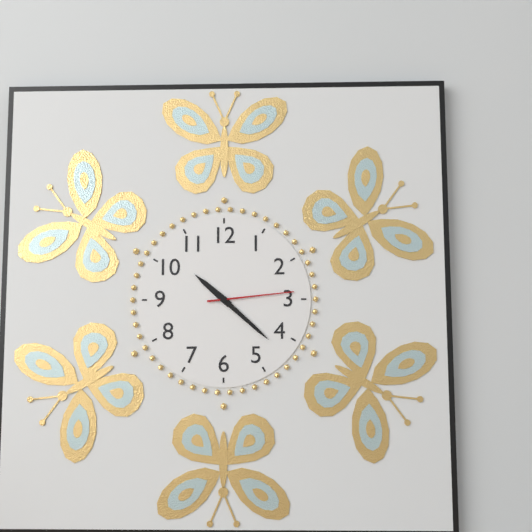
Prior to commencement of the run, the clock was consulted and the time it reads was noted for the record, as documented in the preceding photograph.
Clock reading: 10:22:14
